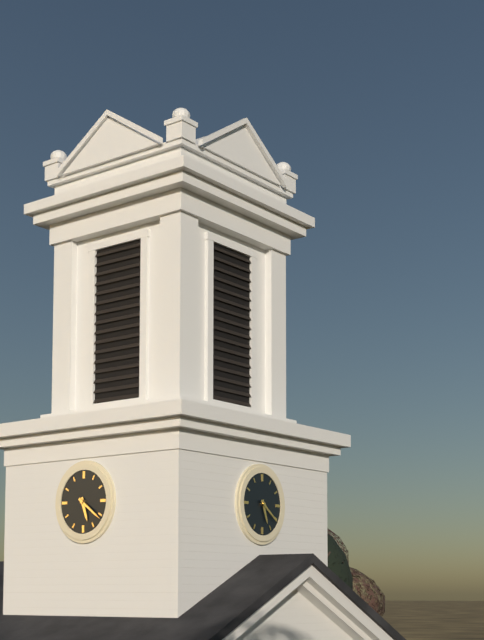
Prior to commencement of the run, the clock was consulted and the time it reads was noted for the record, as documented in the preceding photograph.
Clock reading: 5:21
